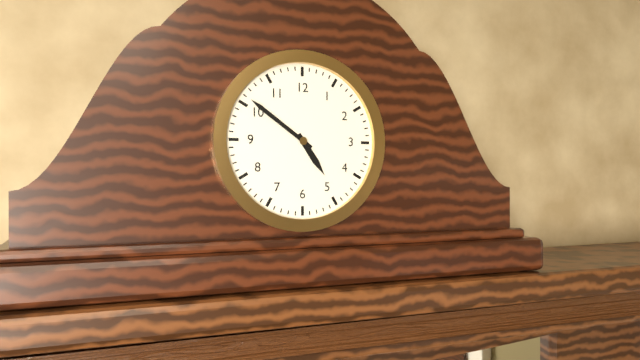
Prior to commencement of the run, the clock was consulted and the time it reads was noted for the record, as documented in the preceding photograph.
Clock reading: 4:51
